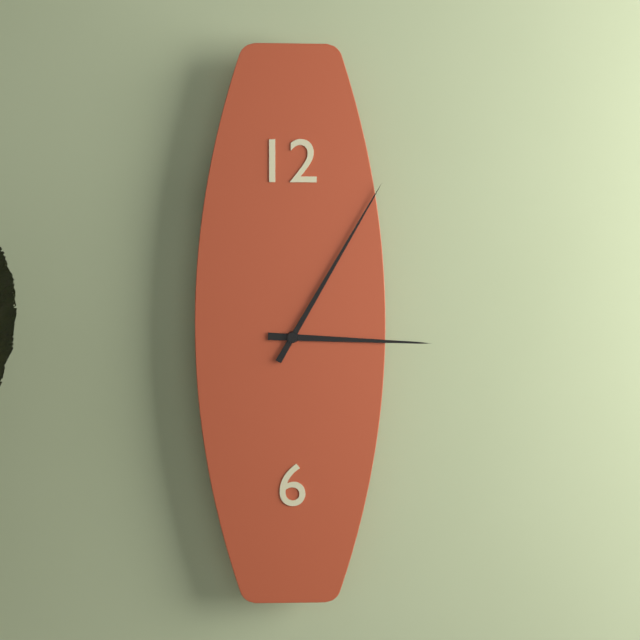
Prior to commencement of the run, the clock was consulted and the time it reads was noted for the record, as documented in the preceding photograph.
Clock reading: 3:05
